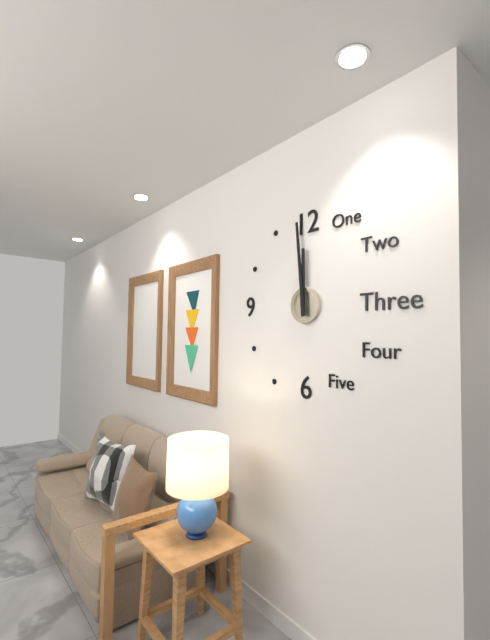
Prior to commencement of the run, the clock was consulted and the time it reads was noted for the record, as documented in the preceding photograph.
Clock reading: 11:59
